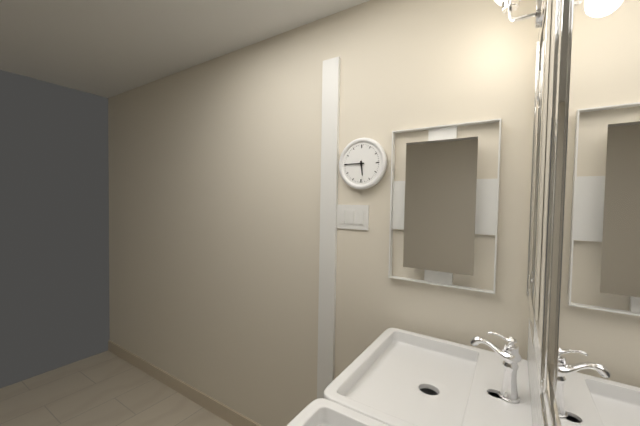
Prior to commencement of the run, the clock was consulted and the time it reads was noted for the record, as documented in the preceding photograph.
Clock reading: 5:45
